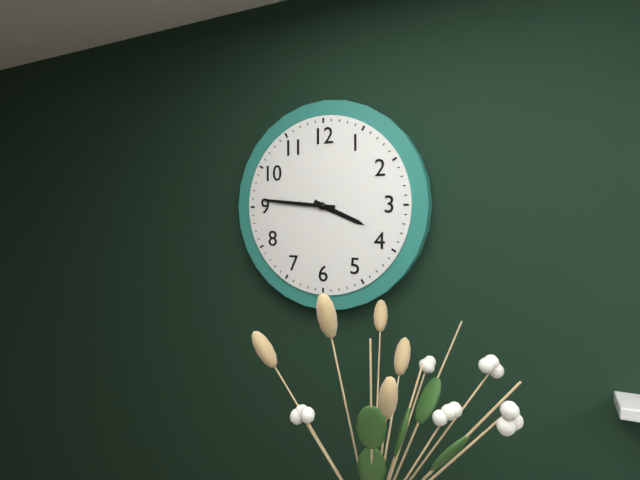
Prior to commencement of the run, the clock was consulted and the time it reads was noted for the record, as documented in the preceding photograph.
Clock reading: 3:46
